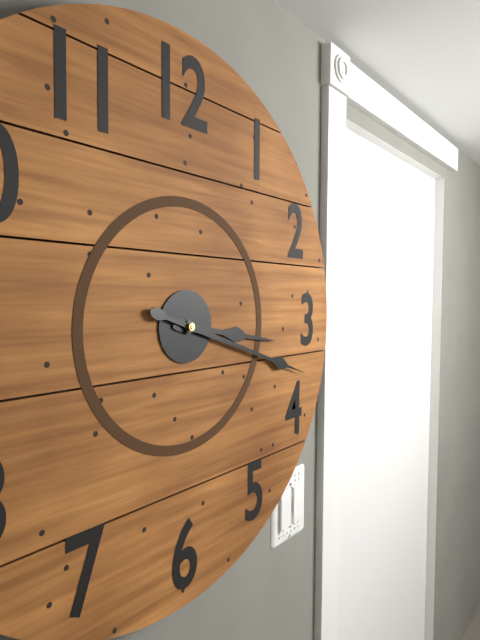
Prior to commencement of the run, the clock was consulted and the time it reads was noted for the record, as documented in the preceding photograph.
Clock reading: 3:18
